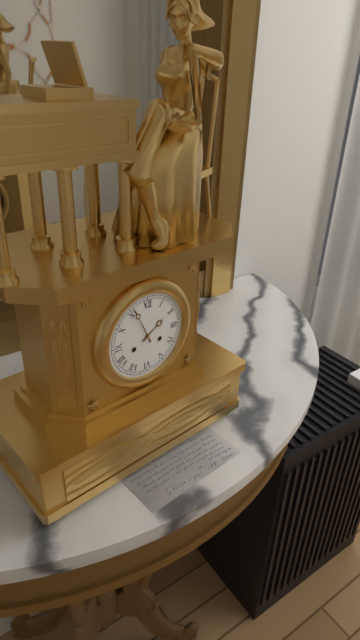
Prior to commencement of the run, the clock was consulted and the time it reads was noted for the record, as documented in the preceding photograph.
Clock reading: 1:56
